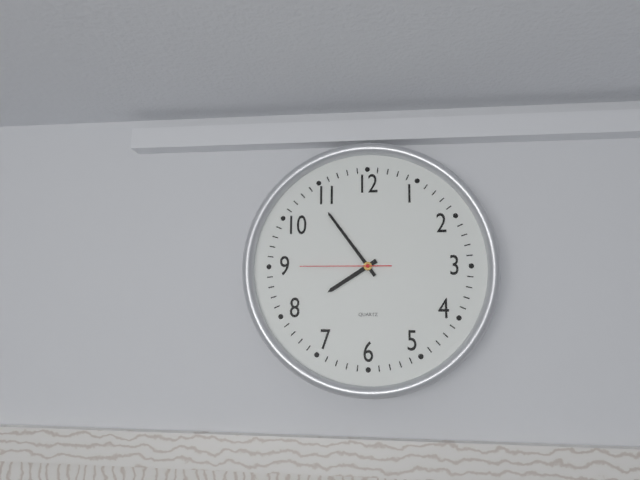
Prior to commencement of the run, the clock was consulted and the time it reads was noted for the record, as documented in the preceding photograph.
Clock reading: 7:54:45
